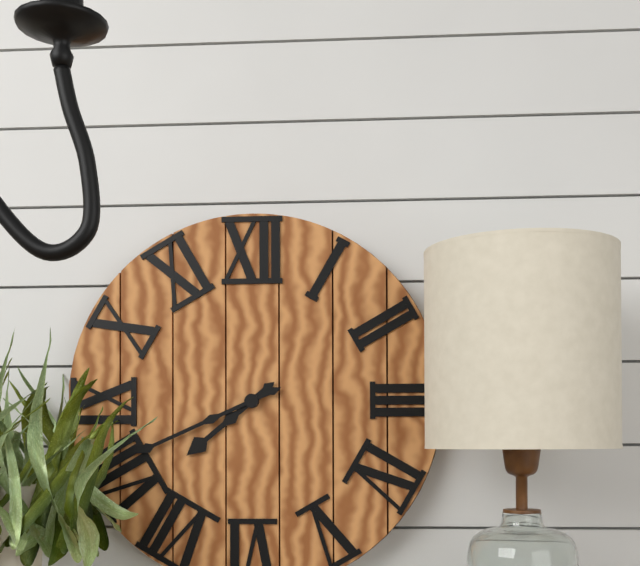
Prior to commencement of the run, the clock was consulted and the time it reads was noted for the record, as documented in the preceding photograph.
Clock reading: 7:41
